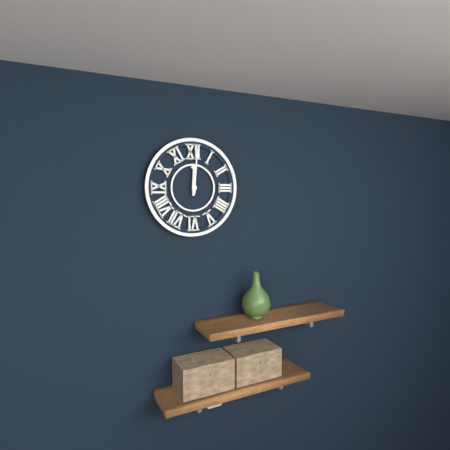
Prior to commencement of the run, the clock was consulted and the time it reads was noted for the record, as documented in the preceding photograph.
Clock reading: 12:01
